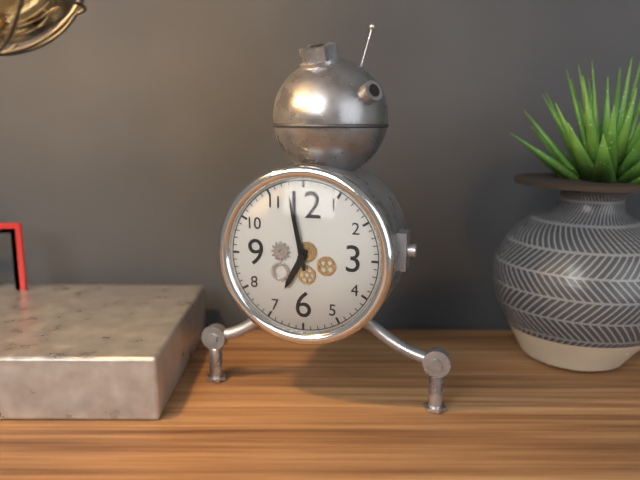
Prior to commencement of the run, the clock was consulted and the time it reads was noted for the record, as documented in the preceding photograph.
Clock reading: 6:58
